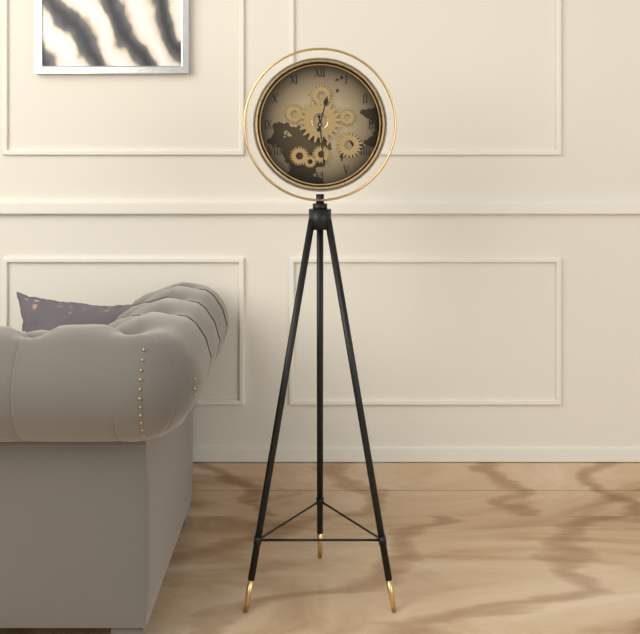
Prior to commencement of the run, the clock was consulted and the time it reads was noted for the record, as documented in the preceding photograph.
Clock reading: 12:29
